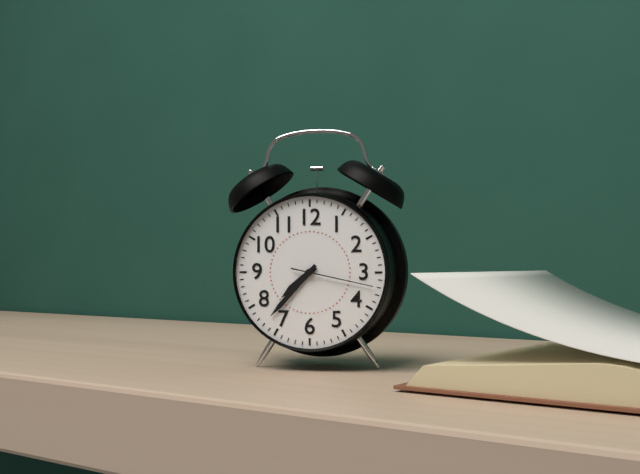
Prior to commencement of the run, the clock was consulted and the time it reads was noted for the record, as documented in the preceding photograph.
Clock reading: 7:37:17
